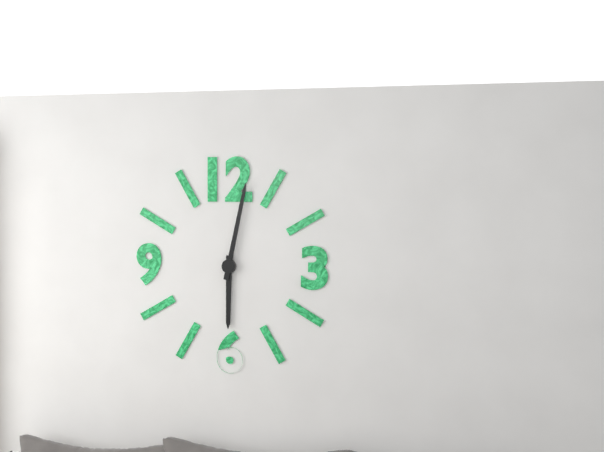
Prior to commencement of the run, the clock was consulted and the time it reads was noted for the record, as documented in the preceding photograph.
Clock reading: 6:02
